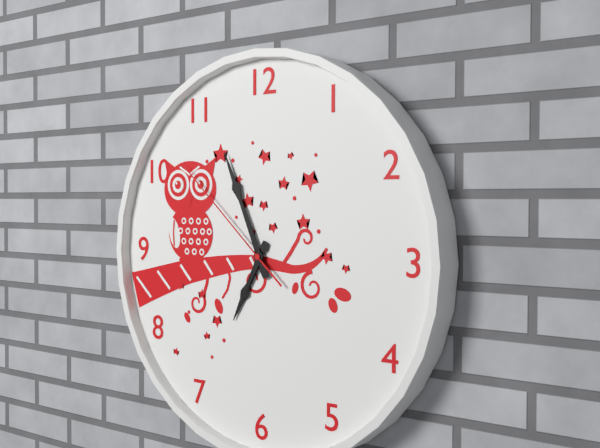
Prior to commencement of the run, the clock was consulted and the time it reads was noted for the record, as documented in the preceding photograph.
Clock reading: 6:56:52
